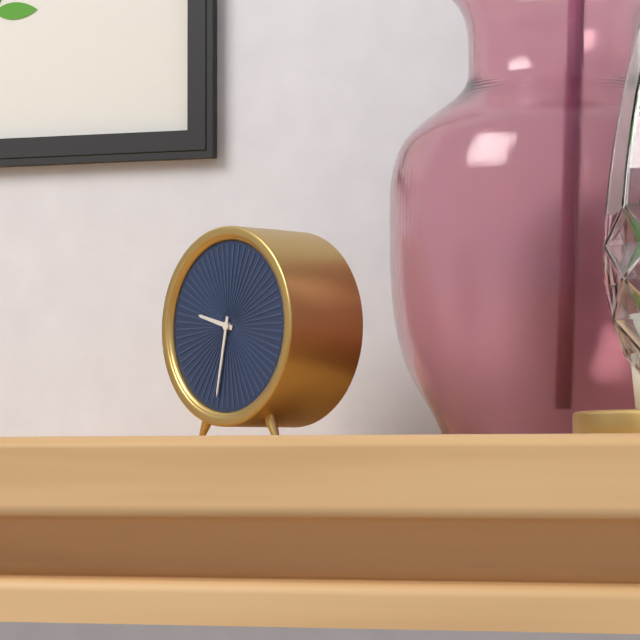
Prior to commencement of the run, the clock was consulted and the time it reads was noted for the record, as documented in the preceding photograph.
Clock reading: 9:32
